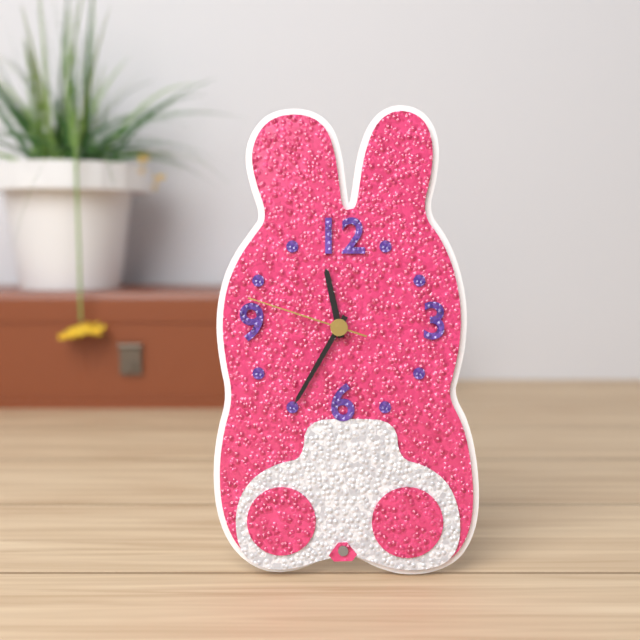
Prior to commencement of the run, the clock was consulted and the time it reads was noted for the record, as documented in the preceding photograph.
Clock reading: 11:35:48
